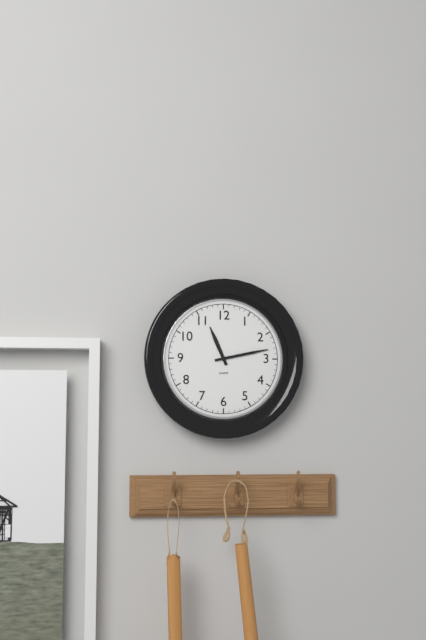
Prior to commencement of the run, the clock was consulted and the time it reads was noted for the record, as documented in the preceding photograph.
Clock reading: 11:13
